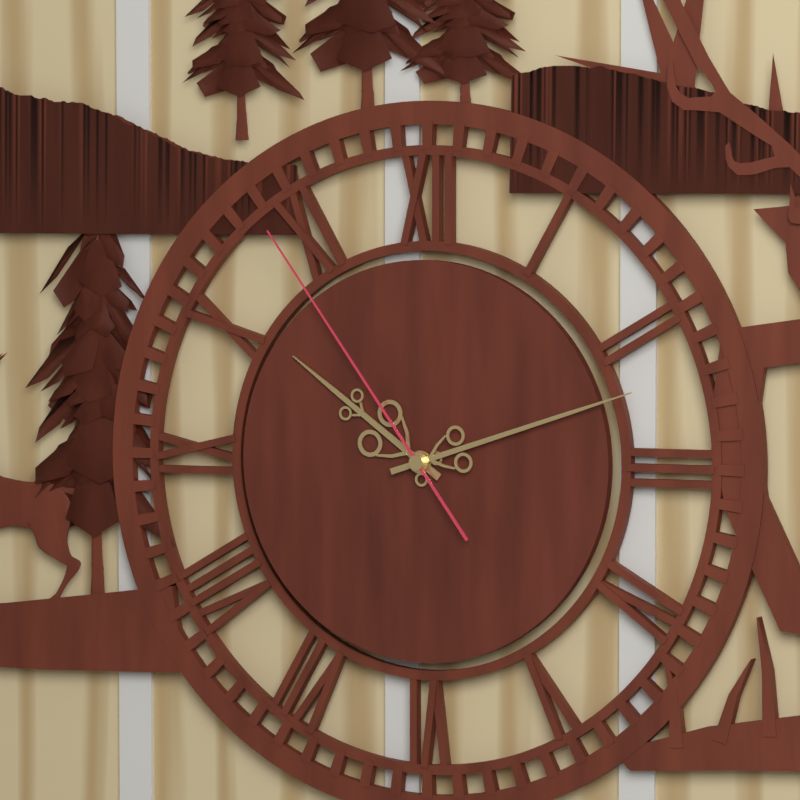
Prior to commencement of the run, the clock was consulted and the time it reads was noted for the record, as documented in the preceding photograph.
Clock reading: 10:12:54
